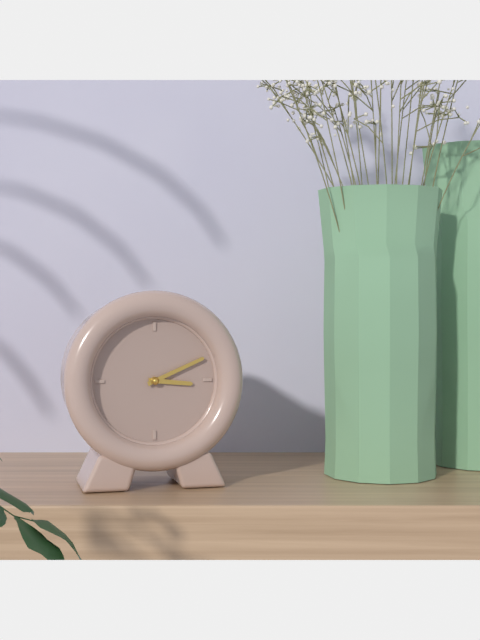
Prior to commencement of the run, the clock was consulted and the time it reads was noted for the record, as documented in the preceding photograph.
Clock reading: 3:11
